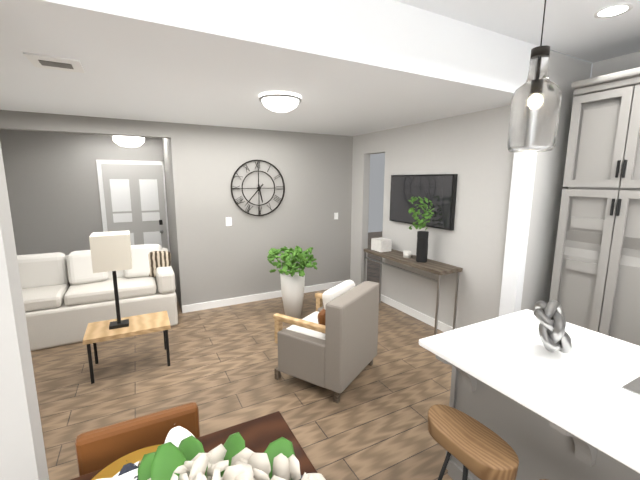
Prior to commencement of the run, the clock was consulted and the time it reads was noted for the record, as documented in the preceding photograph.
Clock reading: 5:37
